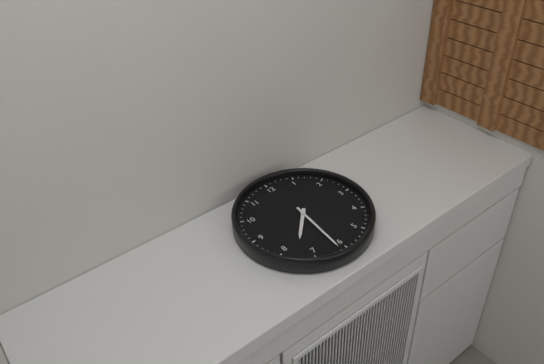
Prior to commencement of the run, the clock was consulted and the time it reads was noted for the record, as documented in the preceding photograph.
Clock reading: 7:31
